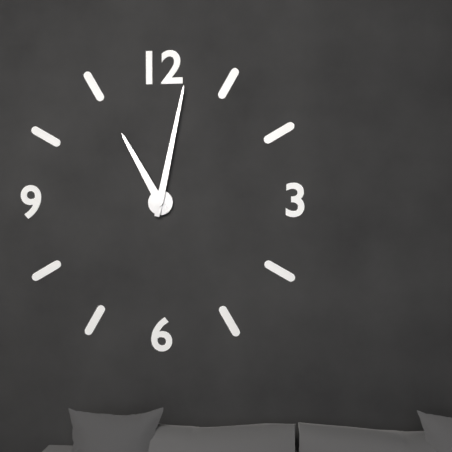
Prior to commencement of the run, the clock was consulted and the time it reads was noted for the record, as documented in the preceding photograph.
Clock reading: 11:02
